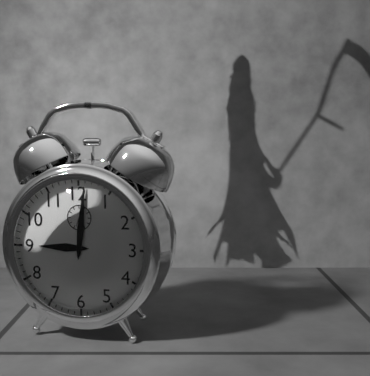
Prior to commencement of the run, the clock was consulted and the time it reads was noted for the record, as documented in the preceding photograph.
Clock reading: 9:01
